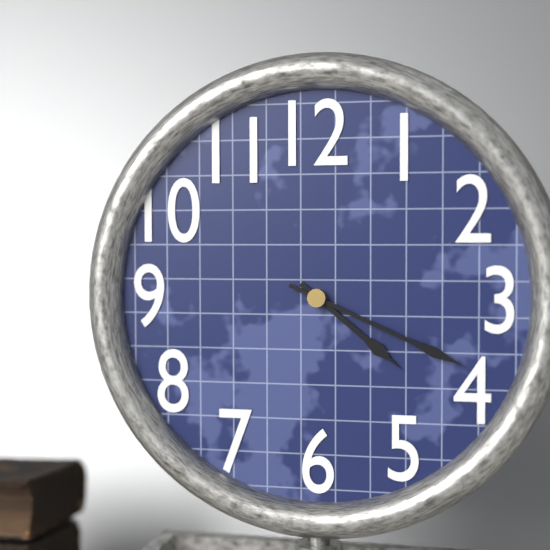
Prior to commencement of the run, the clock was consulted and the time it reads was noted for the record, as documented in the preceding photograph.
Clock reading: 4:19
